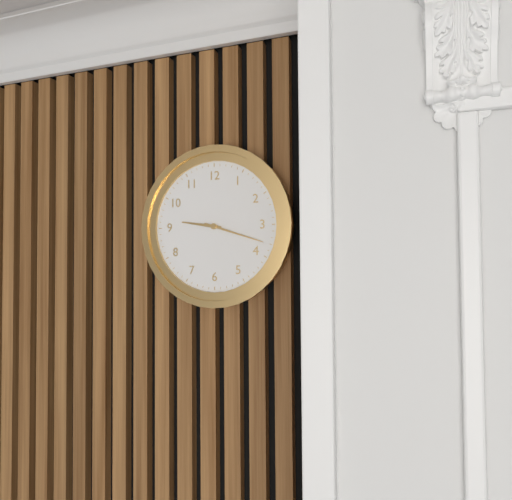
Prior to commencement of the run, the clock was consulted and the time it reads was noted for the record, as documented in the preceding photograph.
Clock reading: 9:18
